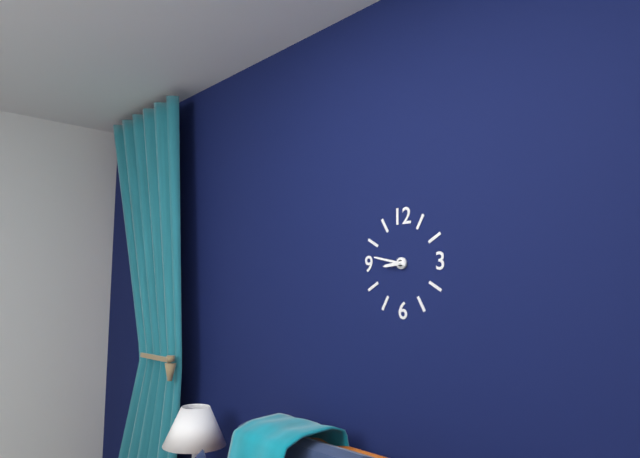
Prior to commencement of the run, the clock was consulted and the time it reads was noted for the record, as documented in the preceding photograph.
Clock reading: 8:47
